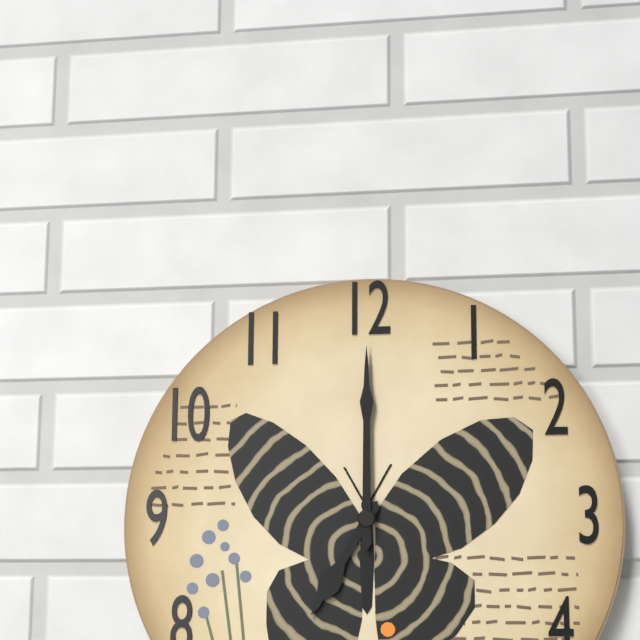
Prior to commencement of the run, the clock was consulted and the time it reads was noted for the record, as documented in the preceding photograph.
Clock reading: 7:00
